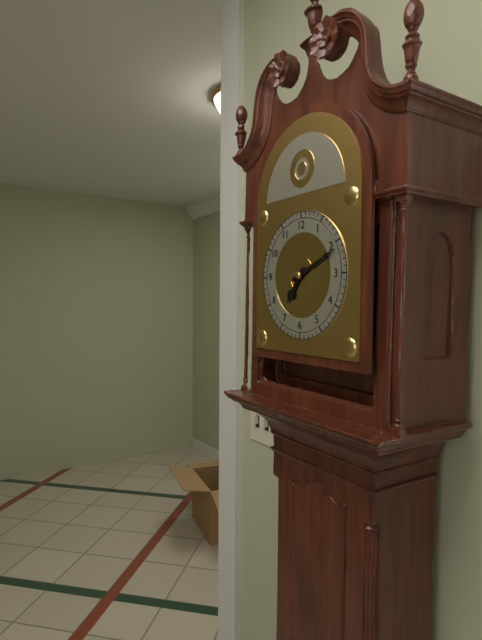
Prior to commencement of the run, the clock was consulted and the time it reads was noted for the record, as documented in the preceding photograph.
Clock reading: 7:11
